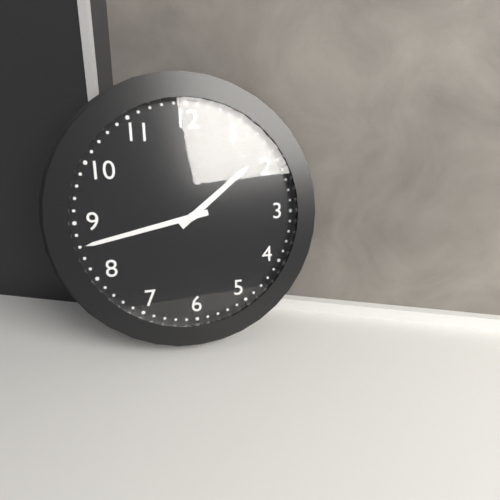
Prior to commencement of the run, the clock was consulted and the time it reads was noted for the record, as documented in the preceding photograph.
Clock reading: 1:43
